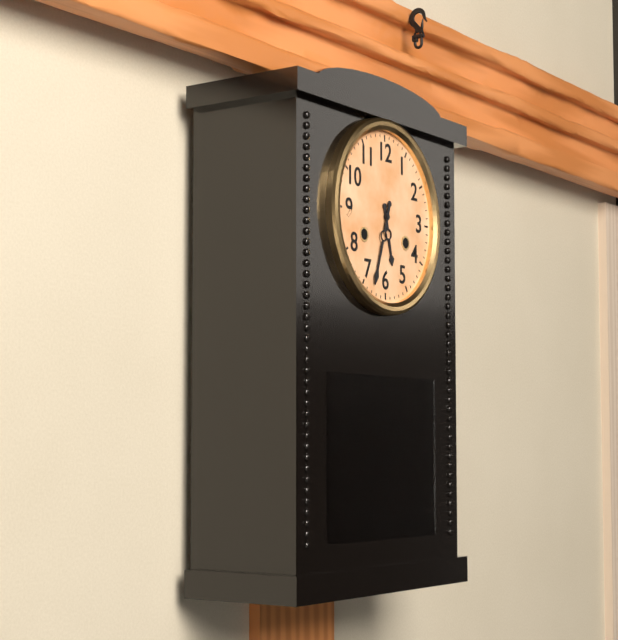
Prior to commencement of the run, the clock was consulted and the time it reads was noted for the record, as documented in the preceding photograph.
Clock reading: 5:33
